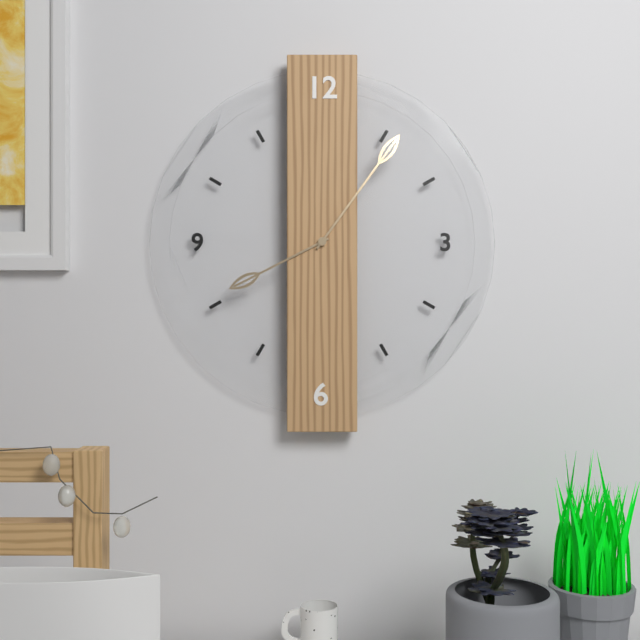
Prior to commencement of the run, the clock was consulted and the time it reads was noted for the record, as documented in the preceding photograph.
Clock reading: 8:06
